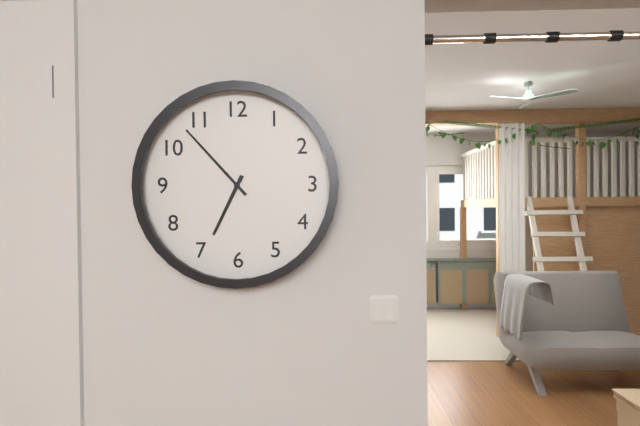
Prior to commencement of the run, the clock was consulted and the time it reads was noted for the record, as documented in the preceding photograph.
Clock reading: 6:53
